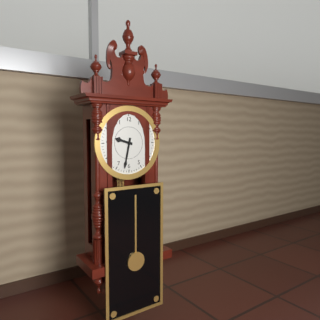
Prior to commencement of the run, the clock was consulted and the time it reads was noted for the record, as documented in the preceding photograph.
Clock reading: 9:32
